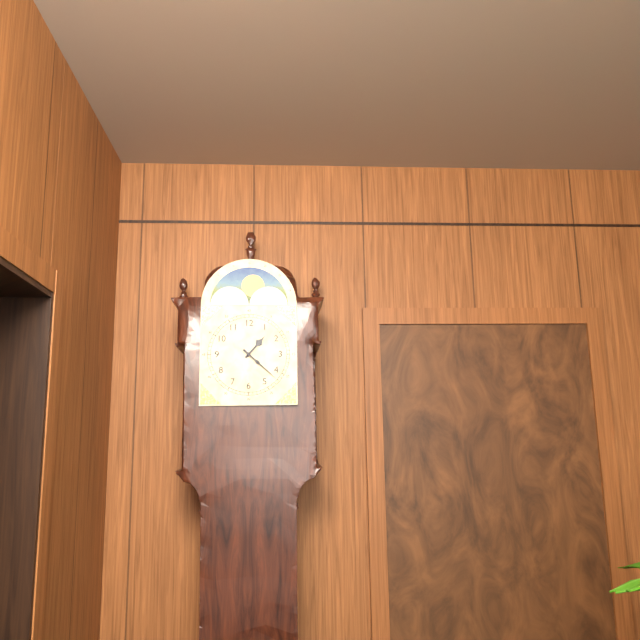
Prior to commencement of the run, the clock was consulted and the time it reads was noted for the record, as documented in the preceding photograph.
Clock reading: 1:22
